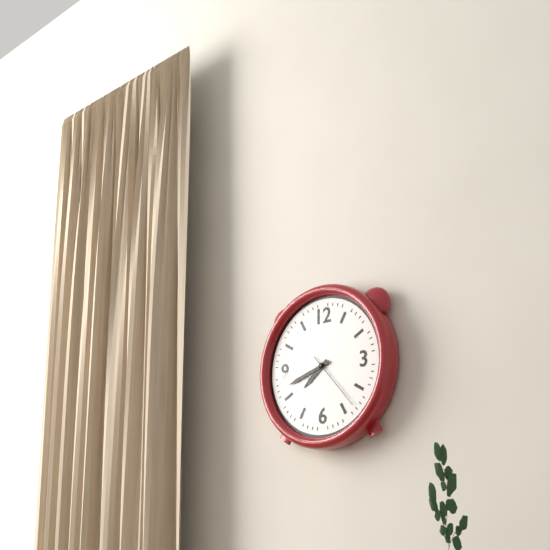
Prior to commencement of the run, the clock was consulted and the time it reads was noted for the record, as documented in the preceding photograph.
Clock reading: 7:42:23
